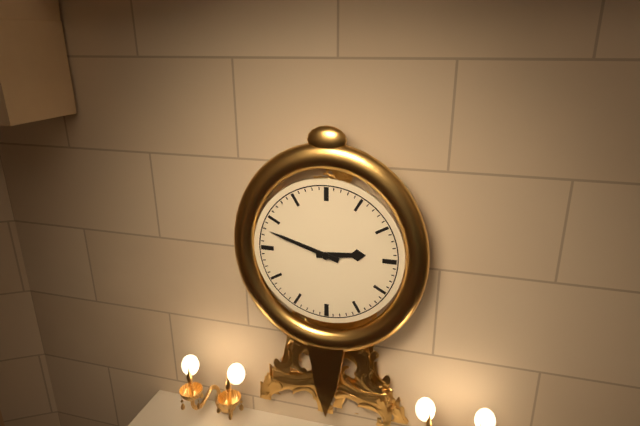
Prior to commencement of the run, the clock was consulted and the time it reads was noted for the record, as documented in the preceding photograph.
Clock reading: 2:48
